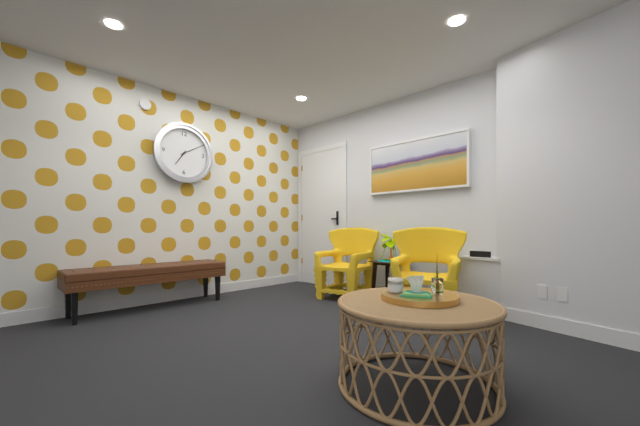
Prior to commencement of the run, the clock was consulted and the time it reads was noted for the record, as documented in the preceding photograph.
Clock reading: 7:10
